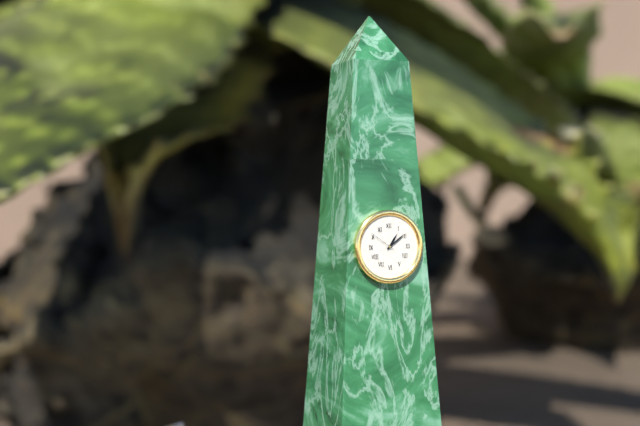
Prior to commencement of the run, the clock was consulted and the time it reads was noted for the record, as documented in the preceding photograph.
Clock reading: 1:09
